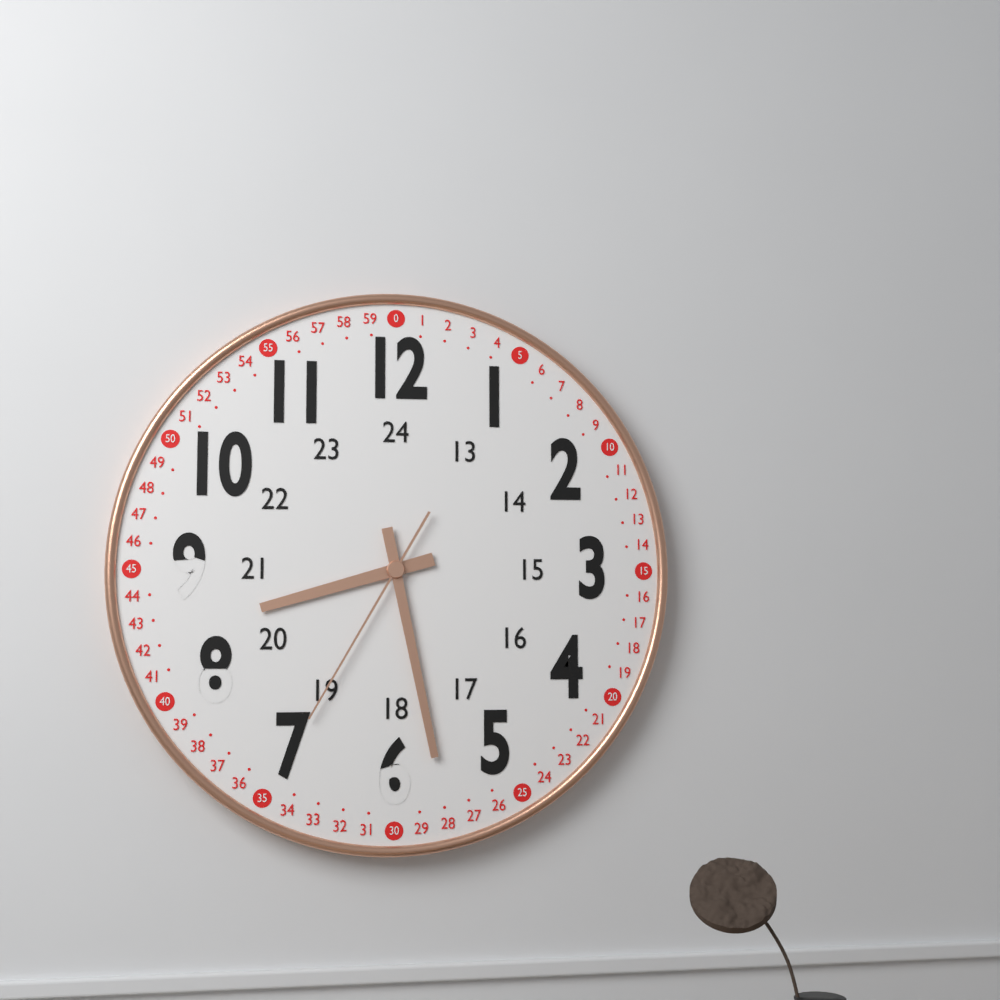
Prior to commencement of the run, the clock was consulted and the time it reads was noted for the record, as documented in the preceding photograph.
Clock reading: 8:28:35
